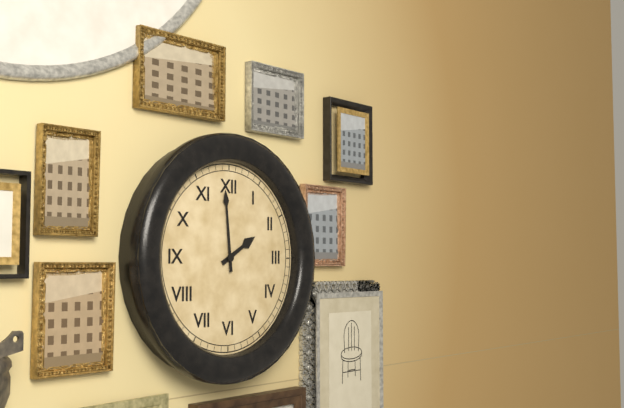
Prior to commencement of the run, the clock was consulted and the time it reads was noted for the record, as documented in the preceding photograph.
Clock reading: 1:59
